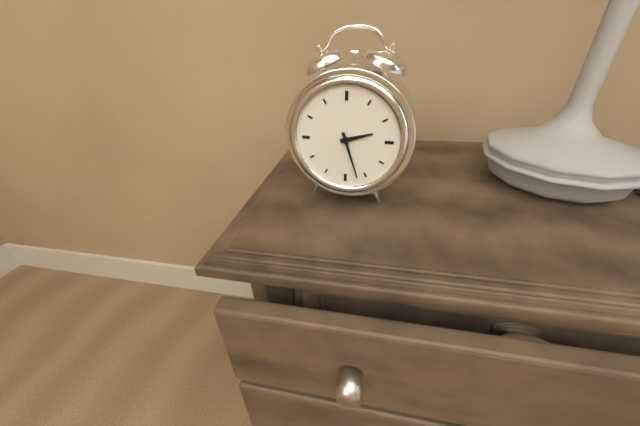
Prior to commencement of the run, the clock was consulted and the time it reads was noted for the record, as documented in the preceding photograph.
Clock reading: 2:27
